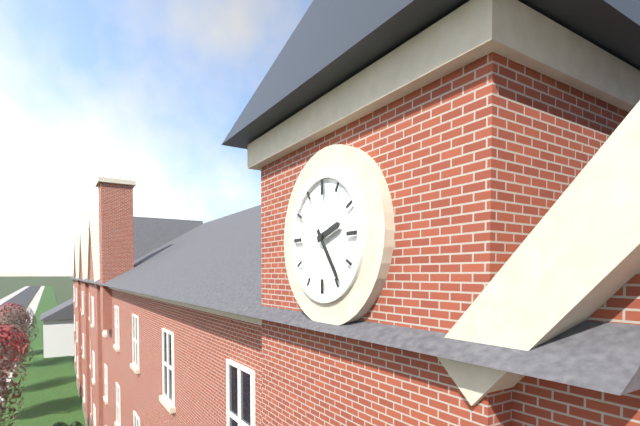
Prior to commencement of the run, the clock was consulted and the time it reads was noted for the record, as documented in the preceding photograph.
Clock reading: 2:24
